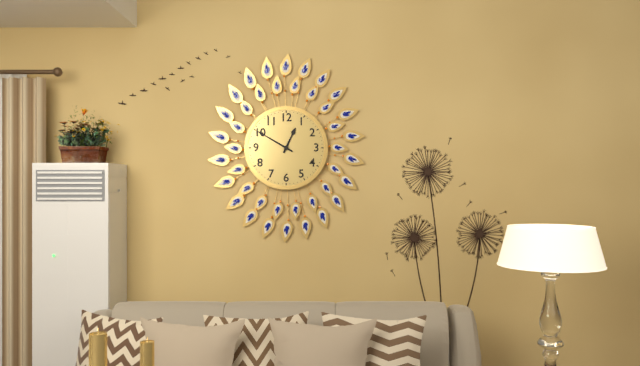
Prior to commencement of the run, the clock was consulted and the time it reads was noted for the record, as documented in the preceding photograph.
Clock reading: 12:50
